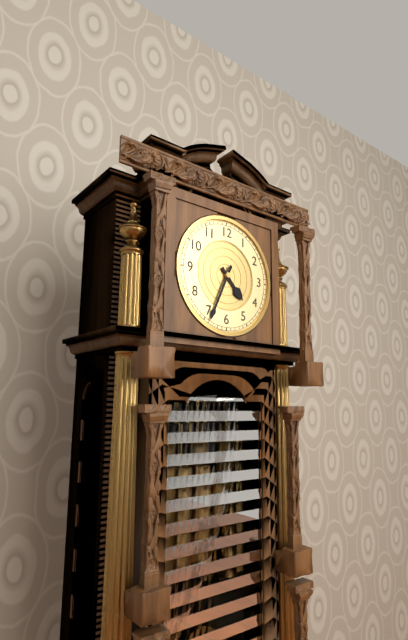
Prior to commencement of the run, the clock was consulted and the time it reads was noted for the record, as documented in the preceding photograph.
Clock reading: 4:34
